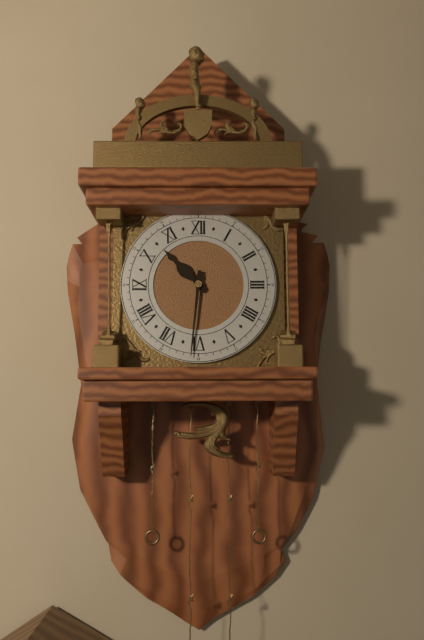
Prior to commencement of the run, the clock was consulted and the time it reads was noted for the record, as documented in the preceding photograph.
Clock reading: 10:31
